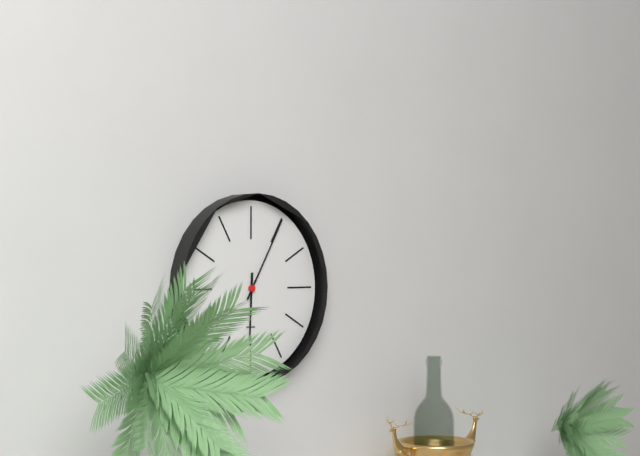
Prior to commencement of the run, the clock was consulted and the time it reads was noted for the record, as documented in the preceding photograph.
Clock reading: 6:05
